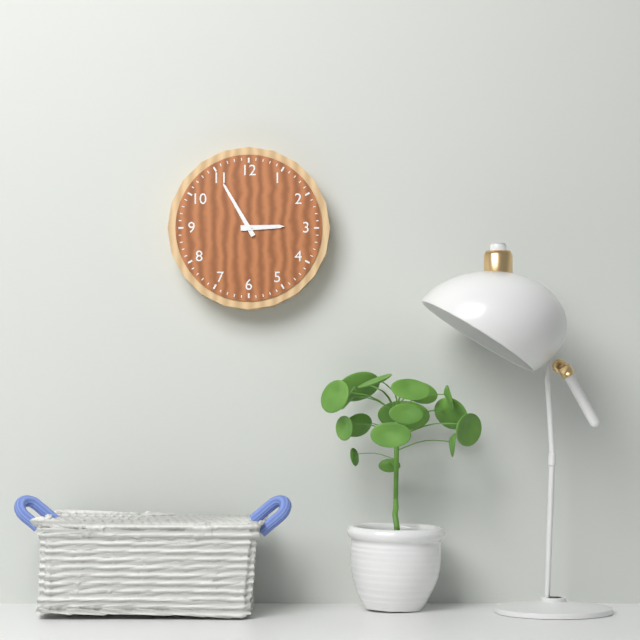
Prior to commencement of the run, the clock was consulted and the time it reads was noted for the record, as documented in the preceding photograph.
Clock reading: 2:55
